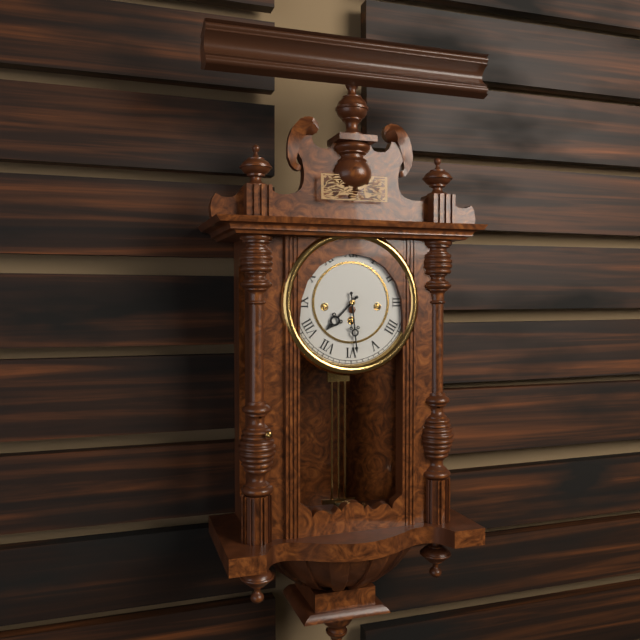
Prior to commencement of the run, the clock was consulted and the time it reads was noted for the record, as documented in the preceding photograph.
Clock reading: 7:29
